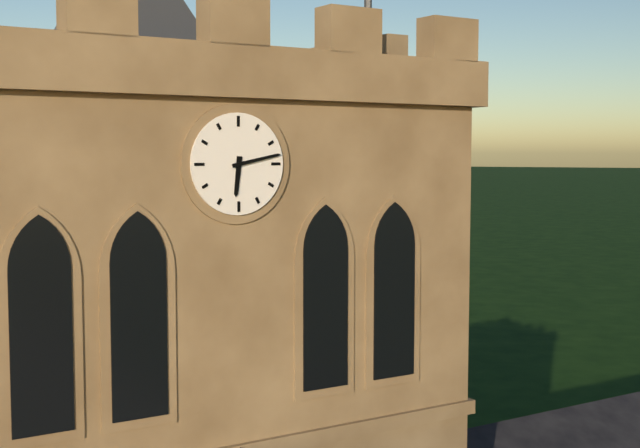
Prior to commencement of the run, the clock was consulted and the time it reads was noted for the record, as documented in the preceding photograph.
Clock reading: 6:13
